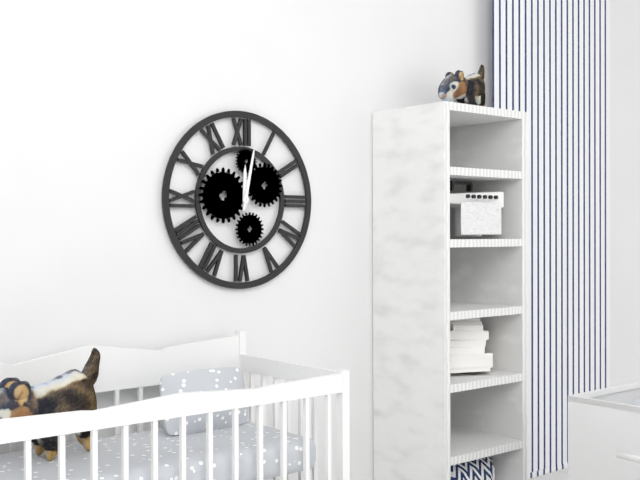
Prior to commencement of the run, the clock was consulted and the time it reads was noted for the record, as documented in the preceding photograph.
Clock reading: 12:02
